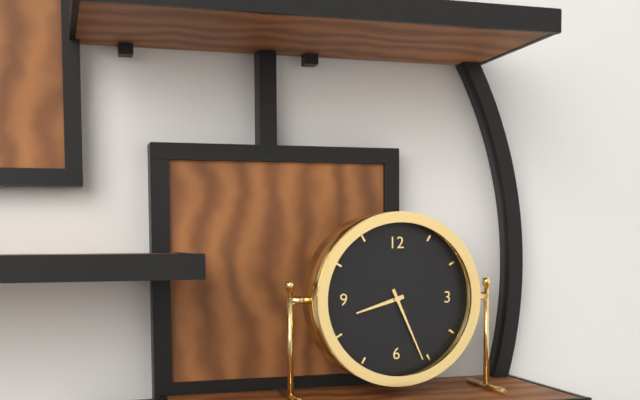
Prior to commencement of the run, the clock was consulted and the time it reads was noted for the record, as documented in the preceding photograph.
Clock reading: 8:26
